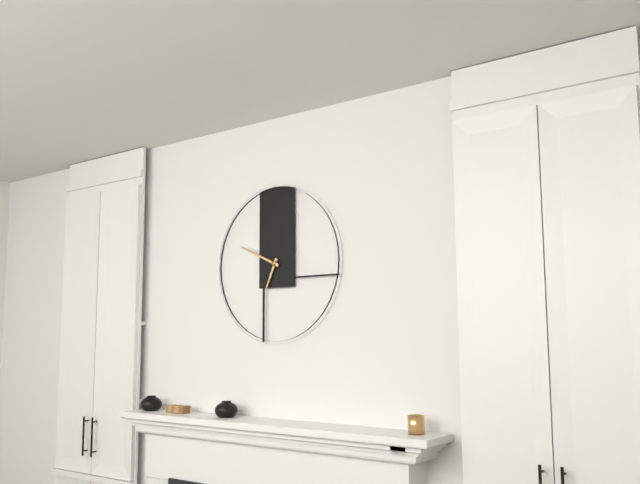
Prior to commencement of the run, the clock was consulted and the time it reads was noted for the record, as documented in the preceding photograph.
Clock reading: 6:49
